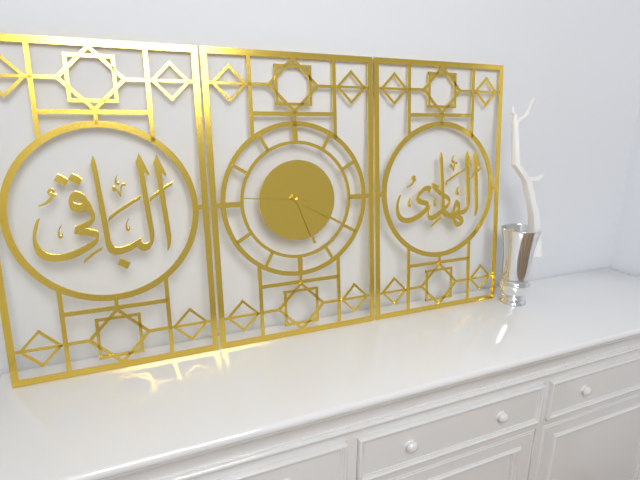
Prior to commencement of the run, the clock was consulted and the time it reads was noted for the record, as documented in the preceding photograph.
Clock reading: 5:20:46
